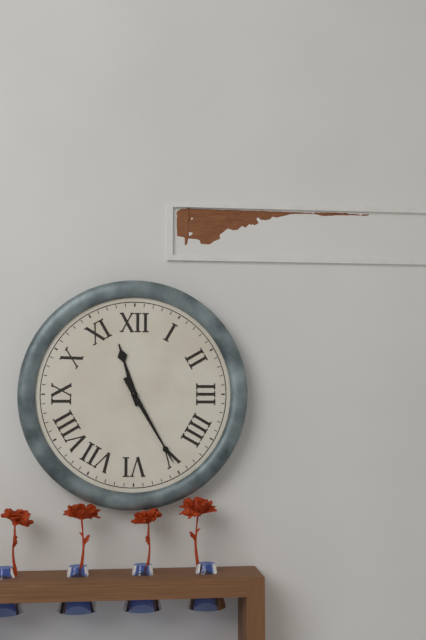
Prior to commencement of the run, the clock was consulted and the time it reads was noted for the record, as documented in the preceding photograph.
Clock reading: 11:25
